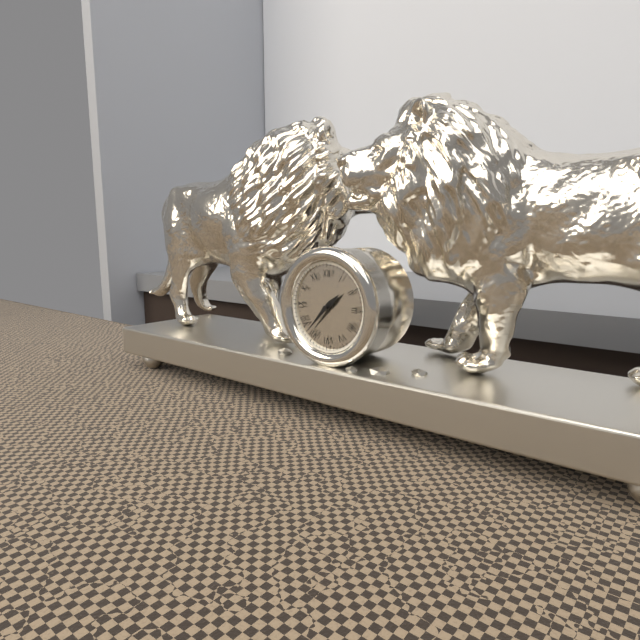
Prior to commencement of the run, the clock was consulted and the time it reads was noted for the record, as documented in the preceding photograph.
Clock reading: 1:37
